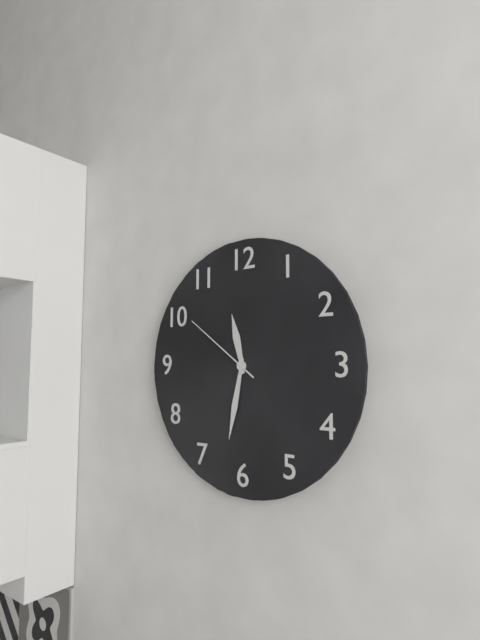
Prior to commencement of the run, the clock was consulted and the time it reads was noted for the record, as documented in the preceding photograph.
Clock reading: 11:32:51
